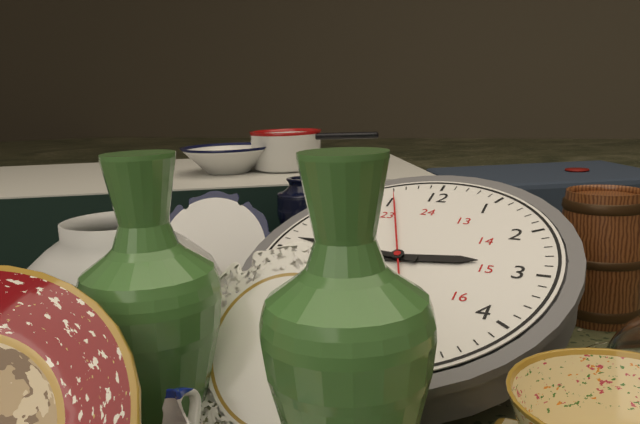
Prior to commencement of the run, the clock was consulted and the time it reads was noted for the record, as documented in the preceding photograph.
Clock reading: 2:46:56
